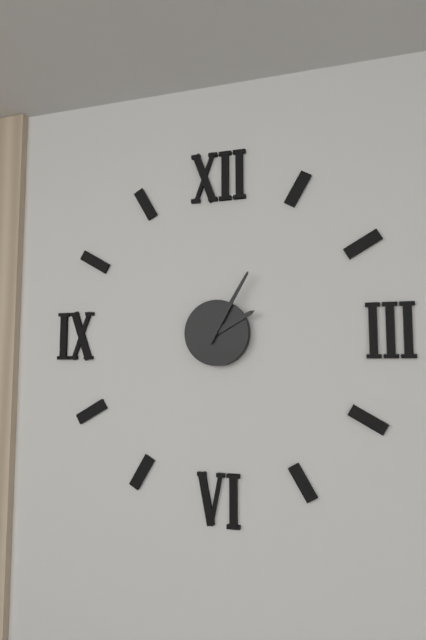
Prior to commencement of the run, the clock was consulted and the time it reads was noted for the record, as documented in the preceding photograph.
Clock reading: 2:05
